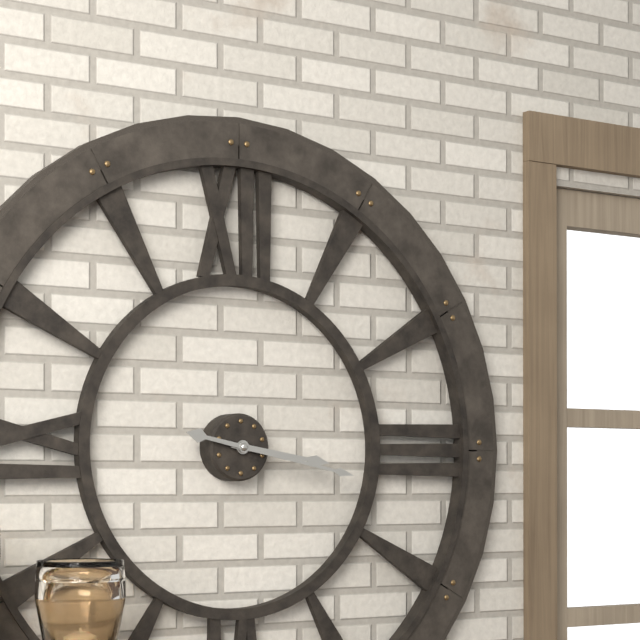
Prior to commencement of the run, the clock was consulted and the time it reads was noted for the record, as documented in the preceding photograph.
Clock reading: 3:17
